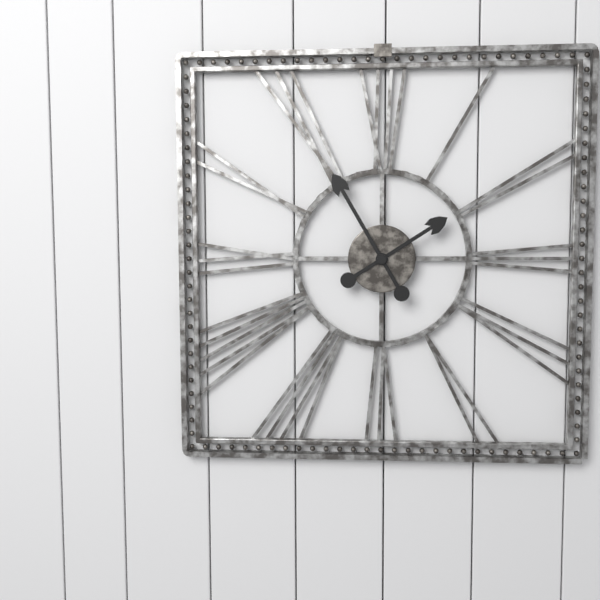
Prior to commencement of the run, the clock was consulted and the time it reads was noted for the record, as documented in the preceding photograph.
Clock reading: 1:55
